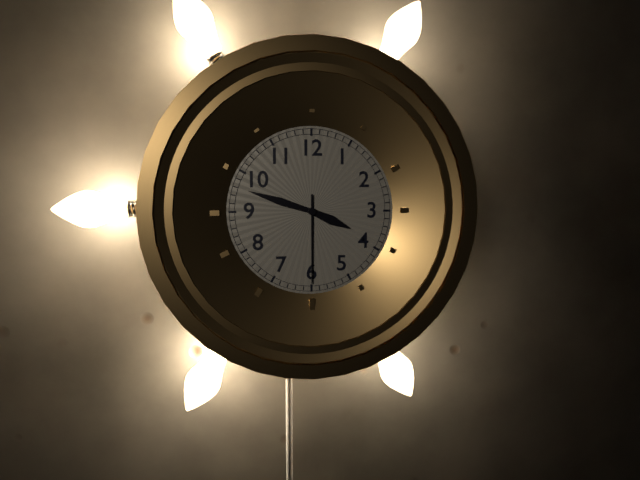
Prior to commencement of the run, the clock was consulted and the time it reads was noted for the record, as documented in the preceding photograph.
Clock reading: 3:48:30
